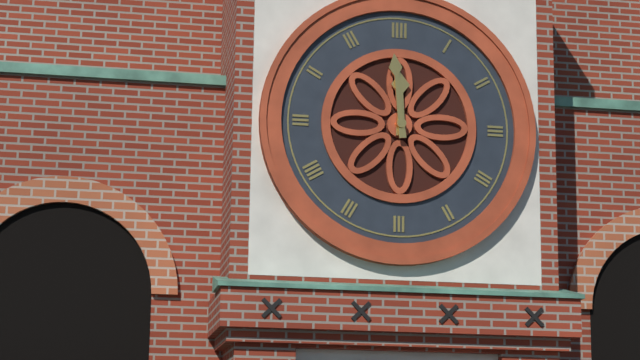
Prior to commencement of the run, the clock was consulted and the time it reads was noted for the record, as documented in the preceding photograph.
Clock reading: 11:59
